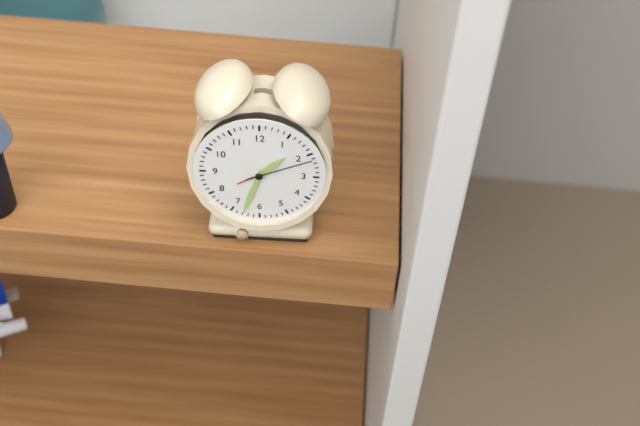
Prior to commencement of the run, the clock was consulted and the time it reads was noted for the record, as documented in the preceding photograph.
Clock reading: 1:33:11
